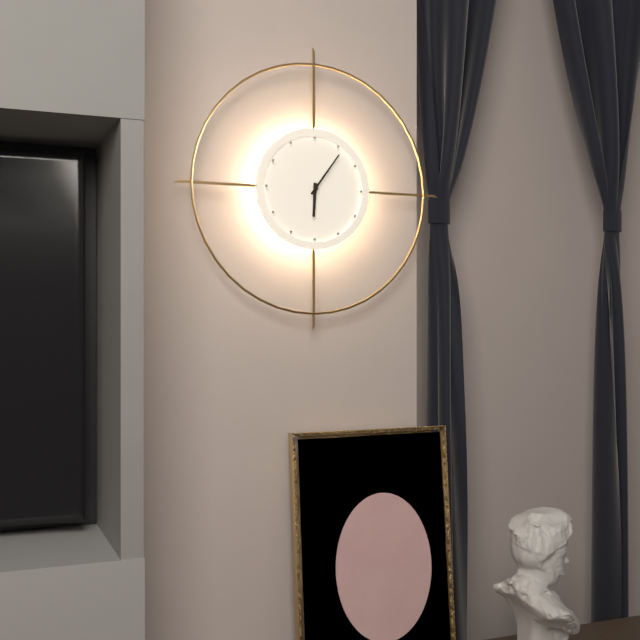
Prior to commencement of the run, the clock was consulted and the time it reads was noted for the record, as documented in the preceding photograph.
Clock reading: 6:06
